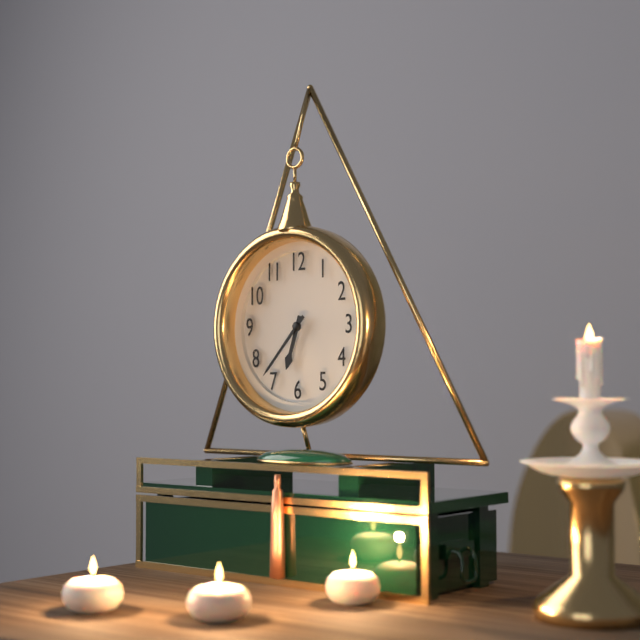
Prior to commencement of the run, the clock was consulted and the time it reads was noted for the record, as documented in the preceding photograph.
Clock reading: 6:37
